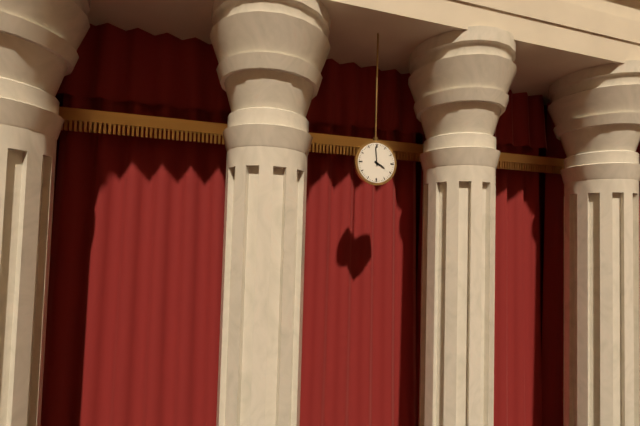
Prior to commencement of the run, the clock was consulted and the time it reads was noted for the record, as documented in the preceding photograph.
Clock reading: 3:59
